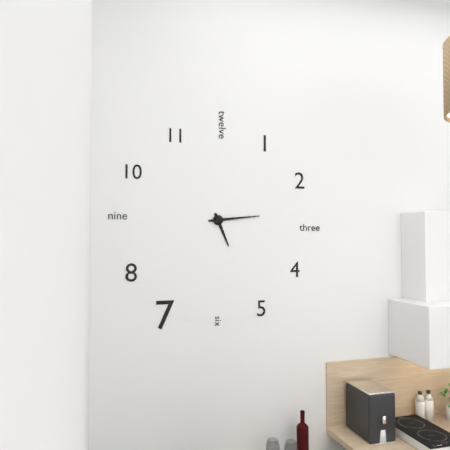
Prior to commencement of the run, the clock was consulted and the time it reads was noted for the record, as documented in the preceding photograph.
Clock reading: 5:14
